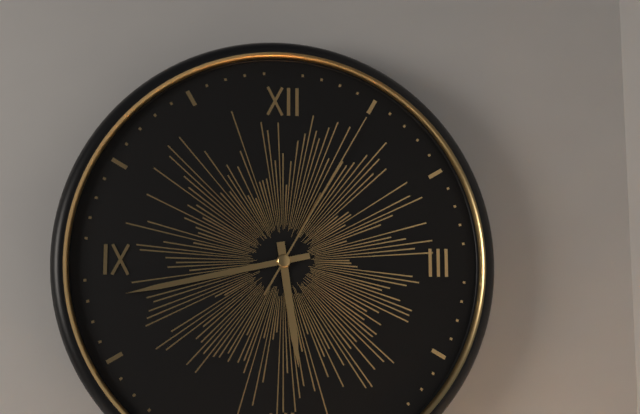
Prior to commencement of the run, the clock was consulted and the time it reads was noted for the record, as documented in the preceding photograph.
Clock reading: 5:43:05
